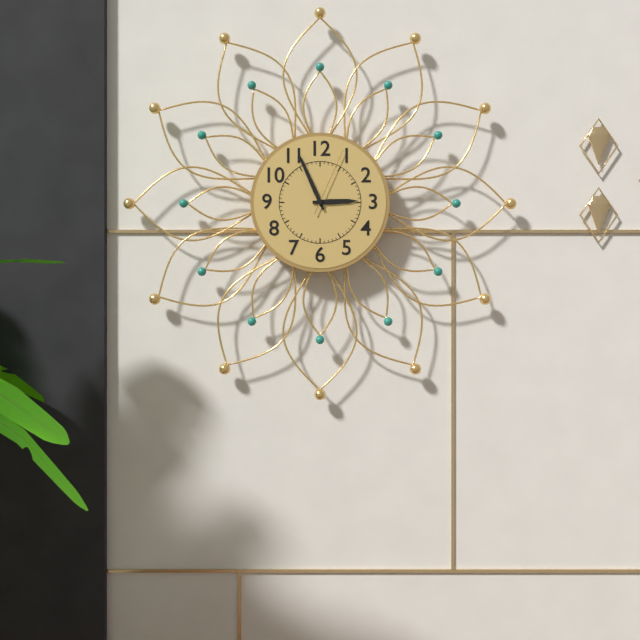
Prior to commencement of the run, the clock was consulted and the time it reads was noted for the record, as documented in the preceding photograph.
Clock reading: 2:56:04
